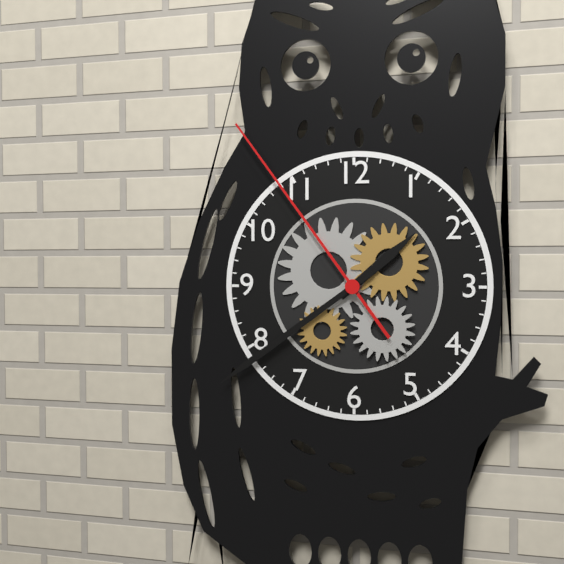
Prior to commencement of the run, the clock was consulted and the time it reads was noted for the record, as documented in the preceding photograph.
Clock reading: 1:39:54
